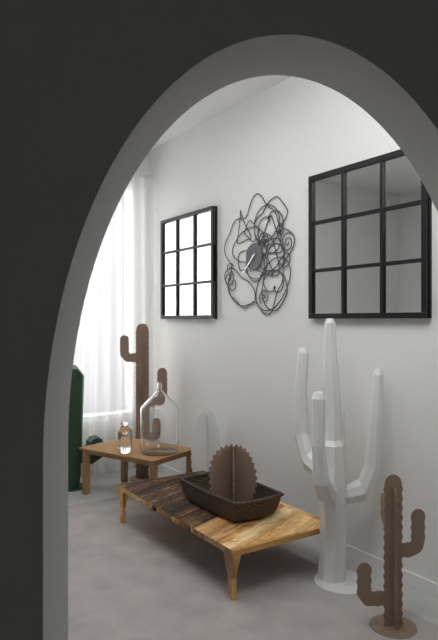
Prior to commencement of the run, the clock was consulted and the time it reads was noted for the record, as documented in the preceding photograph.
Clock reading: 7:38
